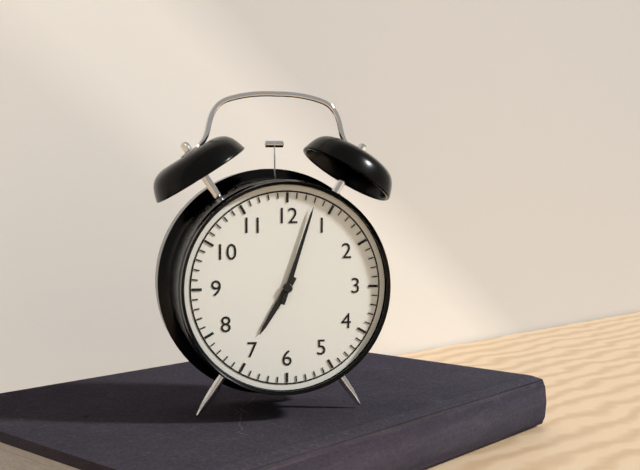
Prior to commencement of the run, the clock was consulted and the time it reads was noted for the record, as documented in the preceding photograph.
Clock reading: 7:03
